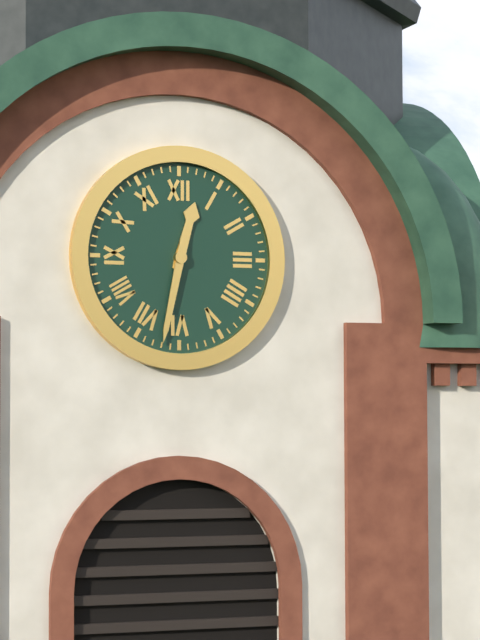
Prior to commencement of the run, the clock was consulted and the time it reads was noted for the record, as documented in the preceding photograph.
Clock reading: 12:32
